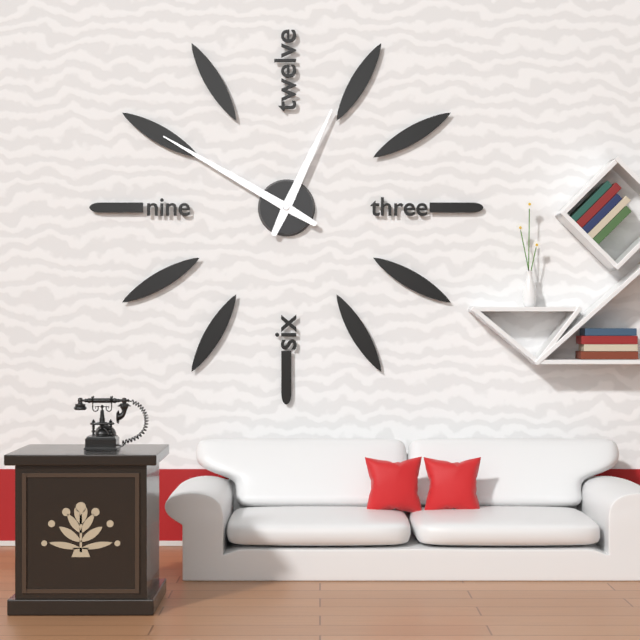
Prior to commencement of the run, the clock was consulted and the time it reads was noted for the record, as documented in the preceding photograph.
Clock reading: 12:50
